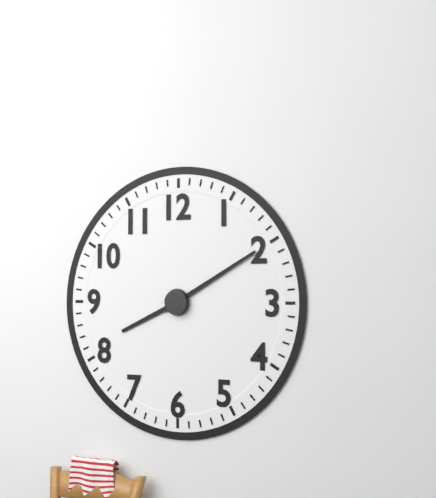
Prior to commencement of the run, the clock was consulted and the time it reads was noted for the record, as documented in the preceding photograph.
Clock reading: 8:10
